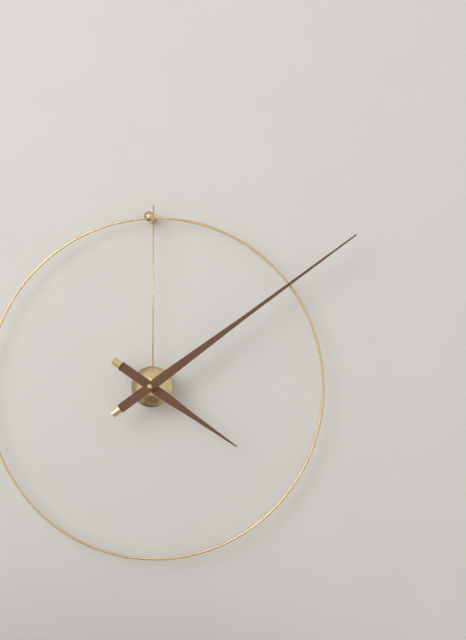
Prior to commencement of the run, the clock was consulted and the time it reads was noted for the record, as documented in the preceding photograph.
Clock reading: 4:09
